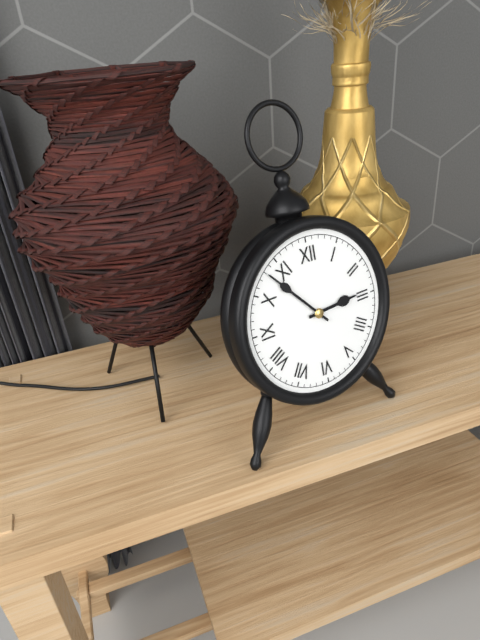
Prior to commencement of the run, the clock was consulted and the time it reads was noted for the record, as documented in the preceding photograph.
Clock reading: 2:53
